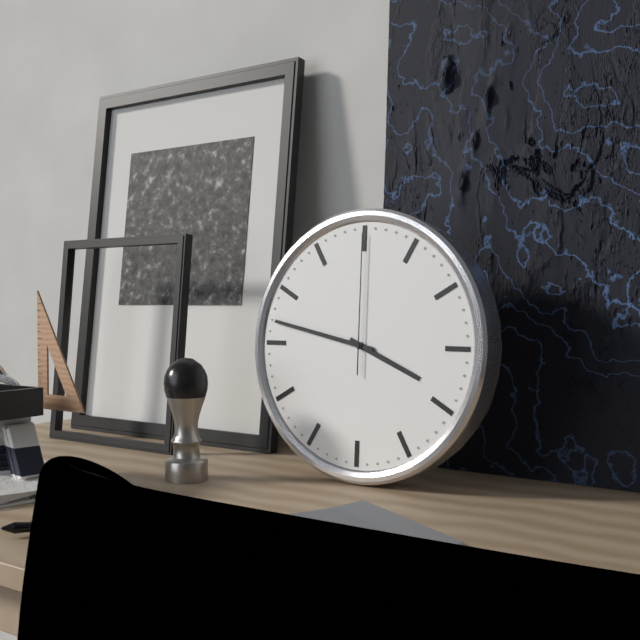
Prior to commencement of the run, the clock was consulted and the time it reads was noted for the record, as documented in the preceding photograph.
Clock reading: 3:47:00
